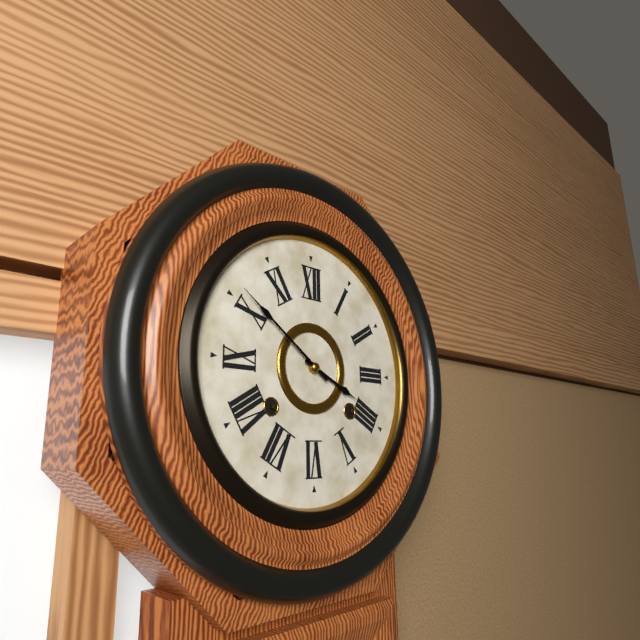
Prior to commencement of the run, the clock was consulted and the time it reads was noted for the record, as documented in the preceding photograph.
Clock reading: 3:51
